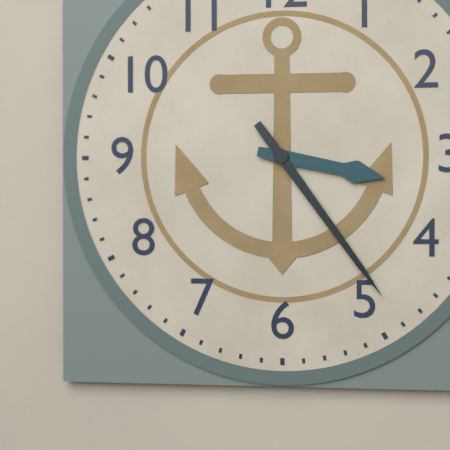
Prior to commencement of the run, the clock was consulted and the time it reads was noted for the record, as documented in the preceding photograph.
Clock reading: 3:24
